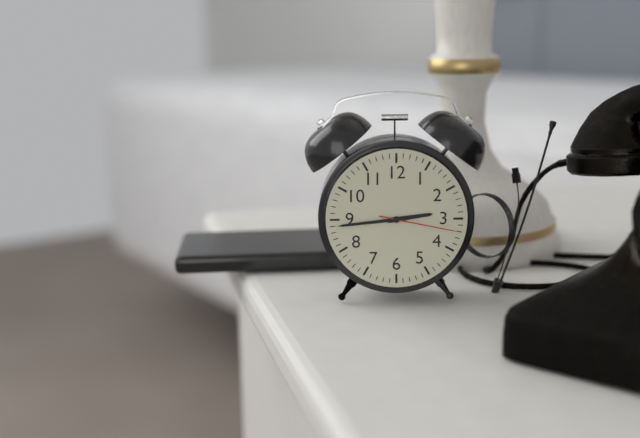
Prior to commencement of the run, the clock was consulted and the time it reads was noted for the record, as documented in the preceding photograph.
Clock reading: 2:44:17
